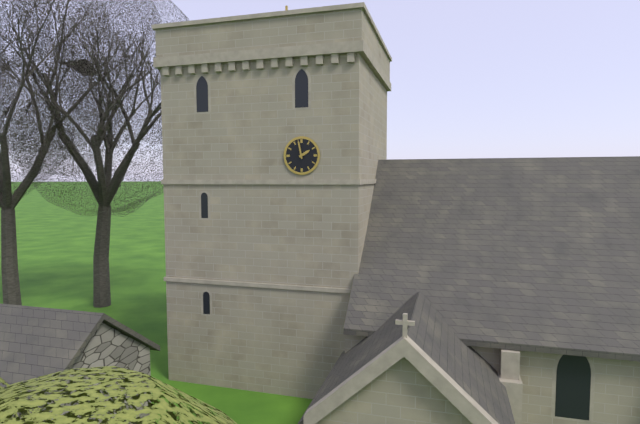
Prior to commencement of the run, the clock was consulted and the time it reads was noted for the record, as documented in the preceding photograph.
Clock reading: 1:58
